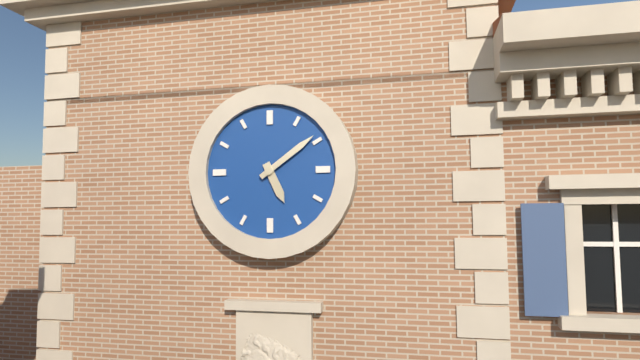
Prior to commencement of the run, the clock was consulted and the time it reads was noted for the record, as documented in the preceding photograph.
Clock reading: 5:09
